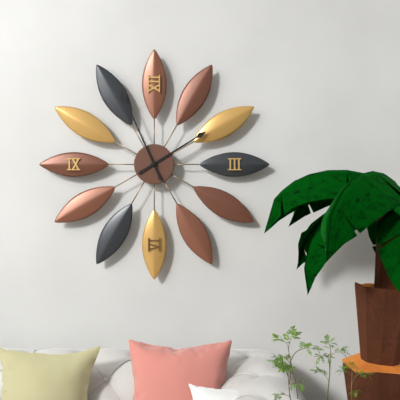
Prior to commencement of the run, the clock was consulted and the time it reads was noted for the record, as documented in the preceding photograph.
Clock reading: 1:56
